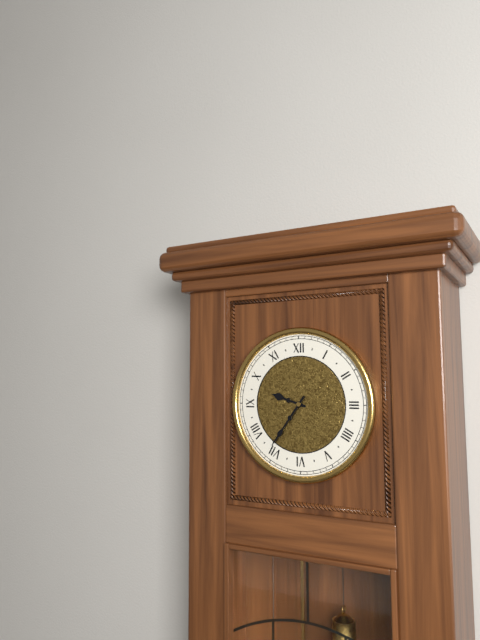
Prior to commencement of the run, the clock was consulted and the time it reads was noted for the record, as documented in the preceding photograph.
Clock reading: 9:36
